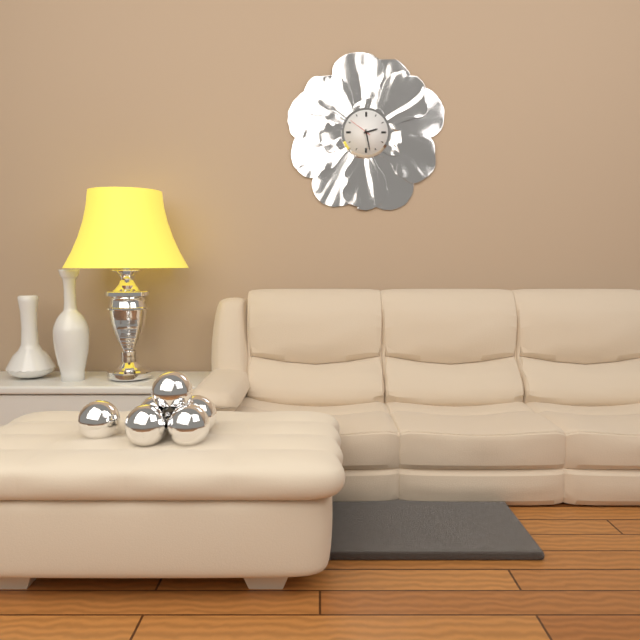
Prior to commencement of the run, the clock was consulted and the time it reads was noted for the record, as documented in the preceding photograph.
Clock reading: 2:28
